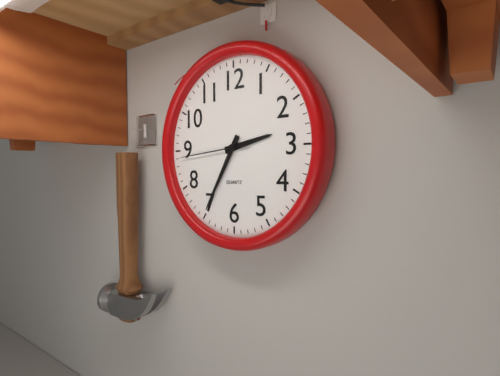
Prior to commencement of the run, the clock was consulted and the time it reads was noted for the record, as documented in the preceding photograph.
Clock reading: 2:35:44
